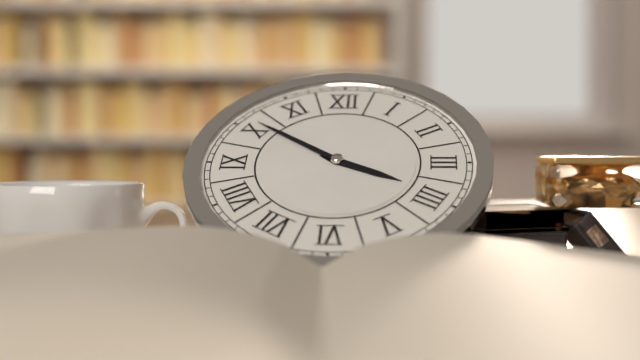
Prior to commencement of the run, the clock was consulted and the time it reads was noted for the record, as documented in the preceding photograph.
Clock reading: 3:51
